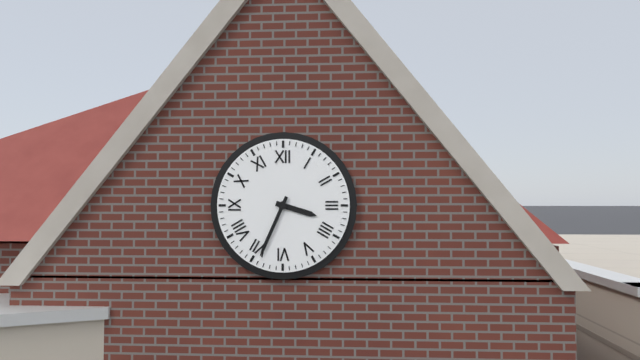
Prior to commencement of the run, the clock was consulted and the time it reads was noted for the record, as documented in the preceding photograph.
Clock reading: 3:34
